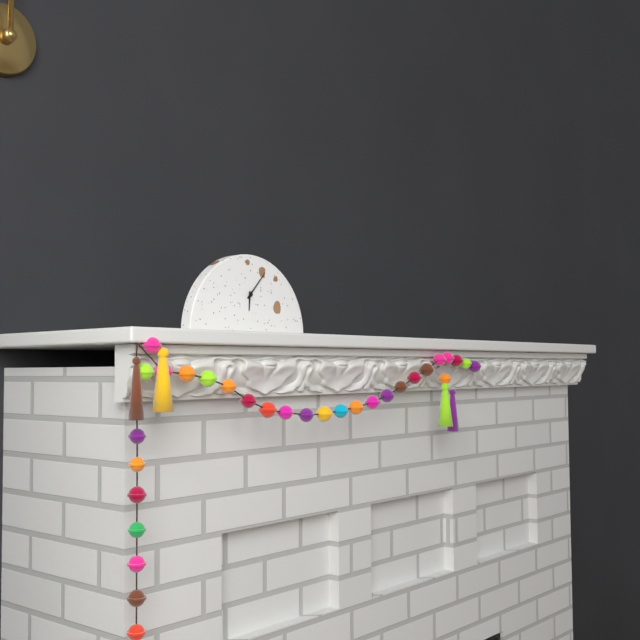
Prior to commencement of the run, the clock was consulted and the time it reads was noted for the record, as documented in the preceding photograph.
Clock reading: 6:07
